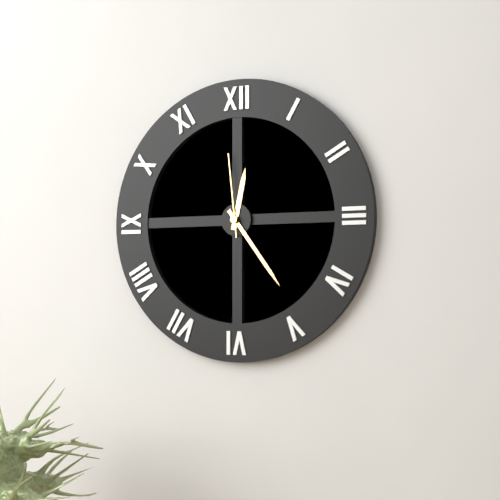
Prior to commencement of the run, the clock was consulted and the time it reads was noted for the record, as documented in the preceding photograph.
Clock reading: 12:24:59
